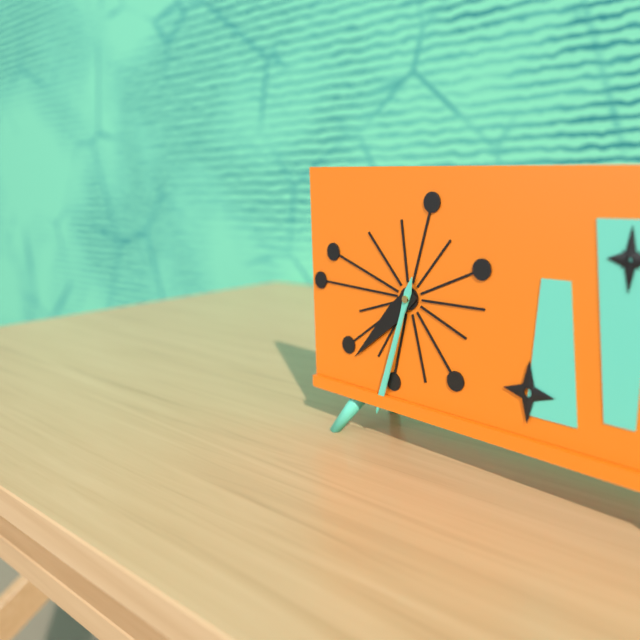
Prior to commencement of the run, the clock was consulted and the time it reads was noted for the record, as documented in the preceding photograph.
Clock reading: 7:33
